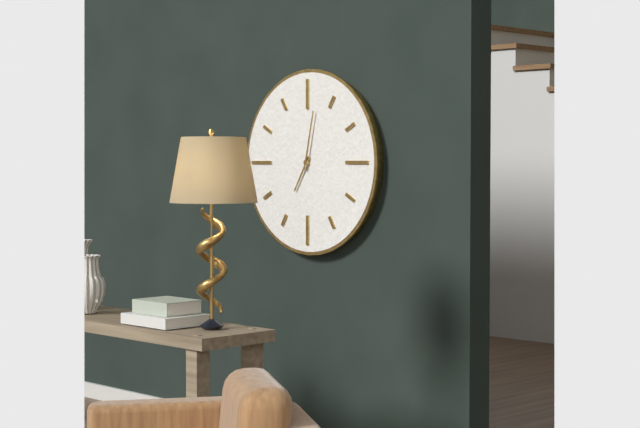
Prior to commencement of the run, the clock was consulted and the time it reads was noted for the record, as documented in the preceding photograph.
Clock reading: 7:02
